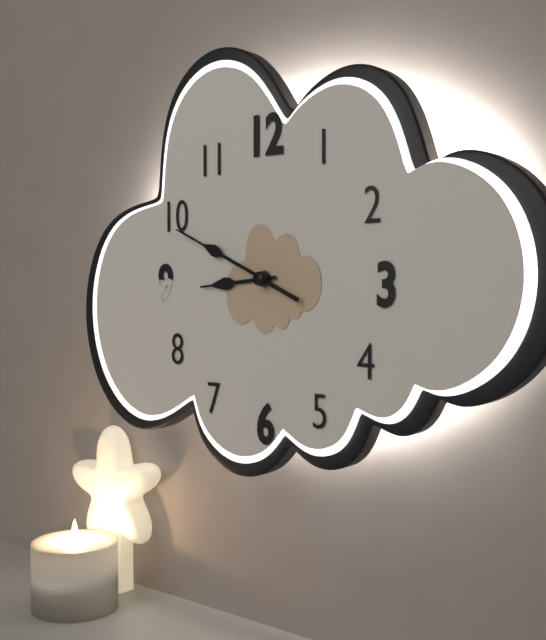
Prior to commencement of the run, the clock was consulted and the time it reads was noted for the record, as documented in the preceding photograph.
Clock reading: 8:49:49
